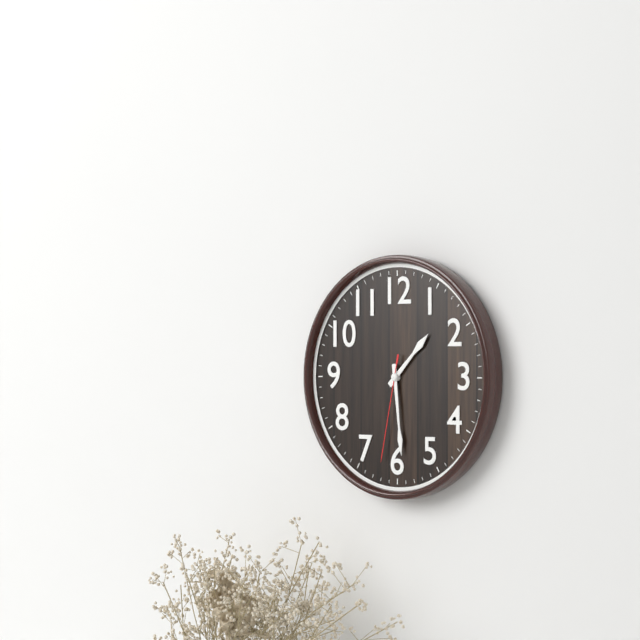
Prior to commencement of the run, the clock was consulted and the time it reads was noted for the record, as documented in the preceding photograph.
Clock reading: 1:29:32
